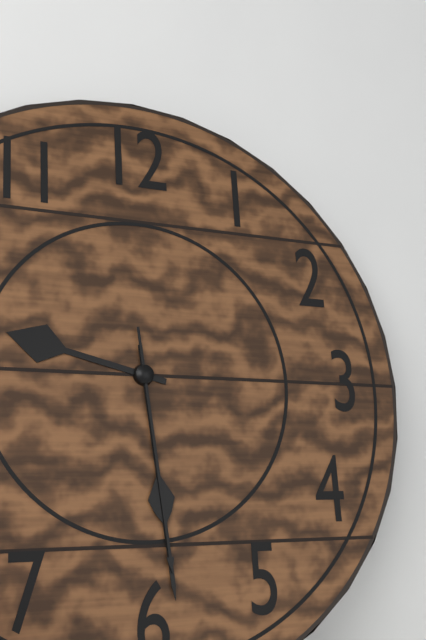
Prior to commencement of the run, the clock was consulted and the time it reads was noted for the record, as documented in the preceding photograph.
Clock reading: 9:29:29
